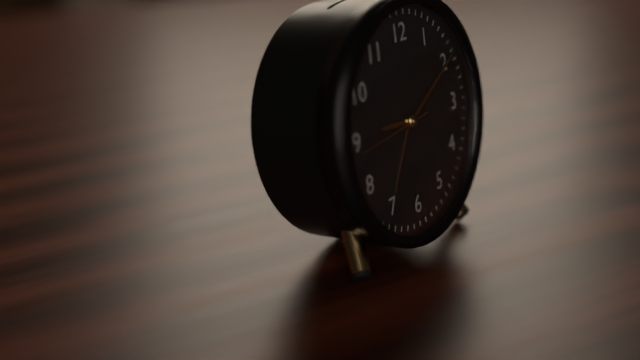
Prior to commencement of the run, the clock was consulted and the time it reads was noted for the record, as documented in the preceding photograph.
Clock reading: 9:10:44
